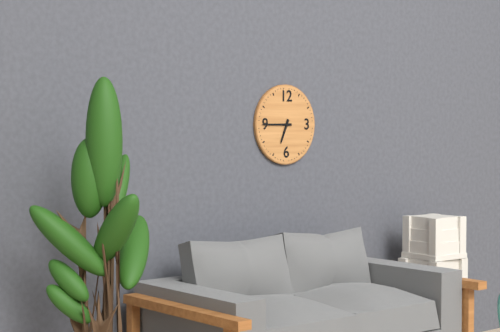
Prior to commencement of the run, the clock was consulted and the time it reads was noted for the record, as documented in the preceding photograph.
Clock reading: 6:45
